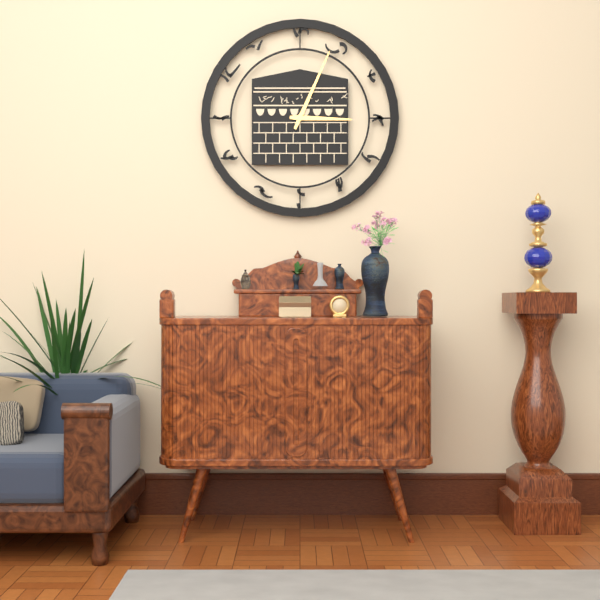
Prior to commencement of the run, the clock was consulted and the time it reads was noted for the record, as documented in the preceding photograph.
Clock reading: 3:04
